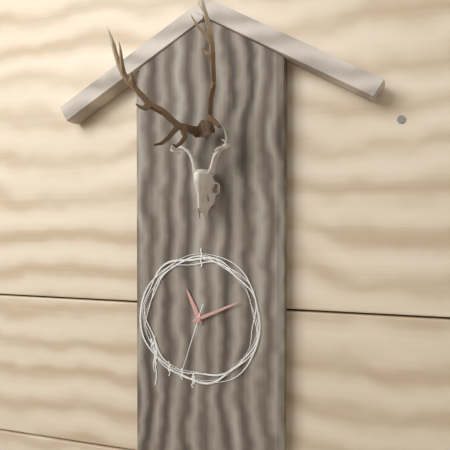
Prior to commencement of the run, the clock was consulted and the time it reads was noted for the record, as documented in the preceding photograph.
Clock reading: 11:11:33
